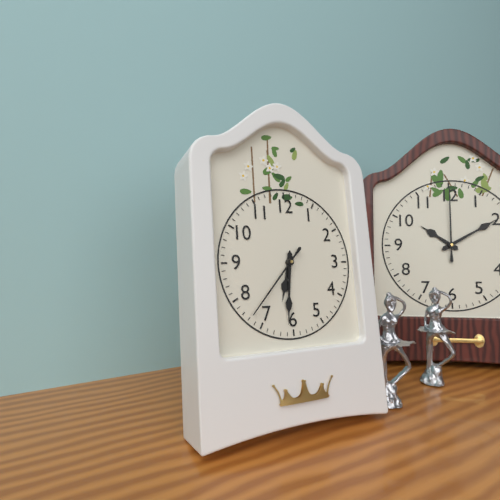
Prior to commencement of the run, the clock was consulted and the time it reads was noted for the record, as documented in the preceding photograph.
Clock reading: 6:31:37
